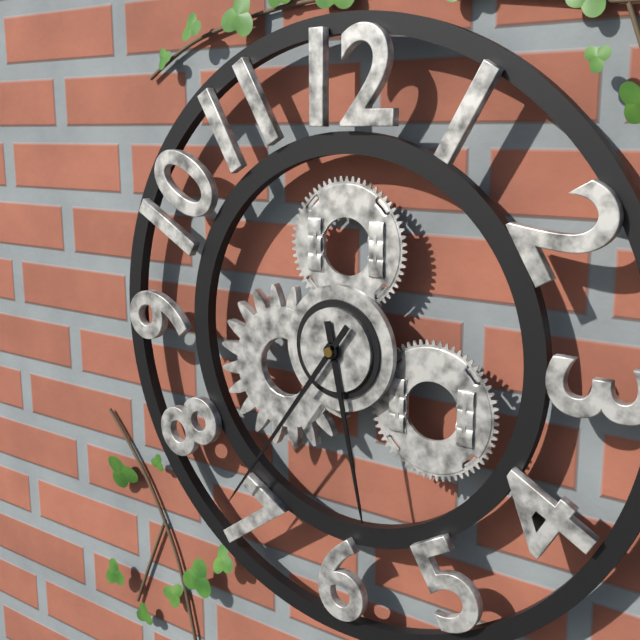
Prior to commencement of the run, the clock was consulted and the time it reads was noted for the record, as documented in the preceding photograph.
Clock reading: 5:36
